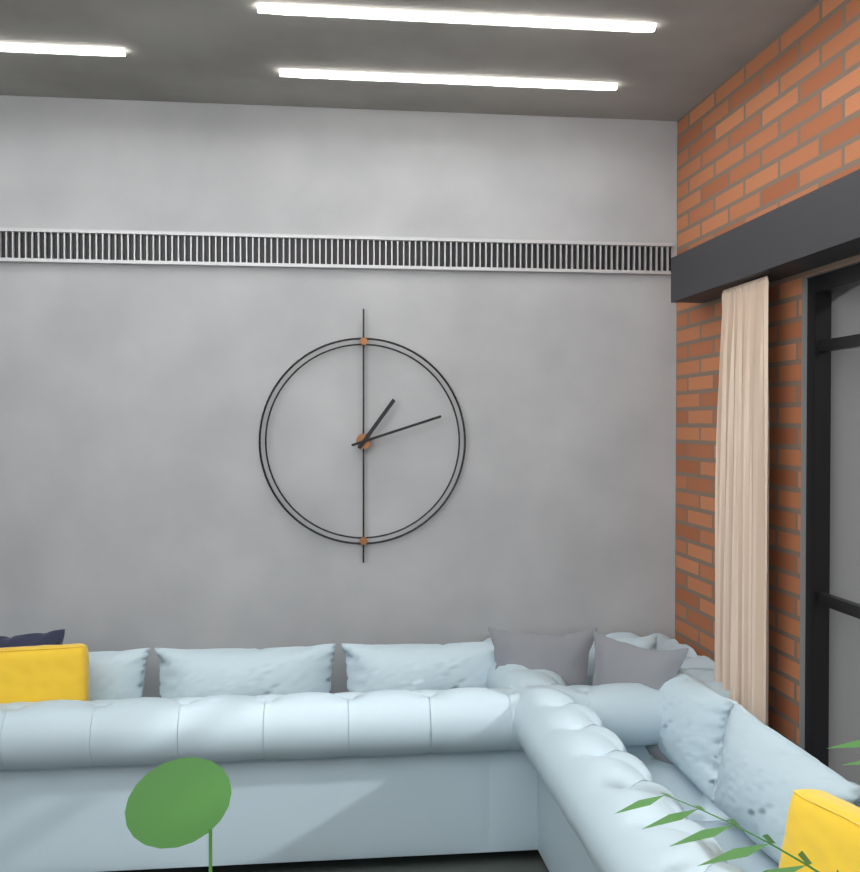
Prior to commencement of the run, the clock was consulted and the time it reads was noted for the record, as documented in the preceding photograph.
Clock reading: 1:12
